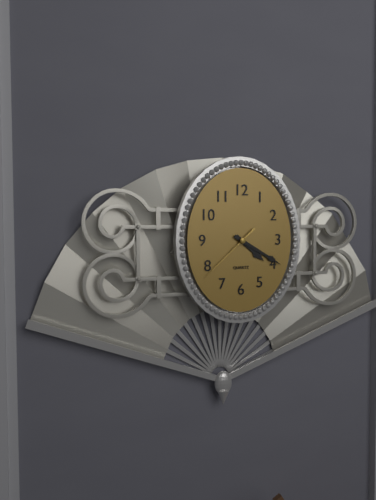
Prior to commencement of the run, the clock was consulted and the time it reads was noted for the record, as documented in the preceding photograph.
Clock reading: 4:20:38
